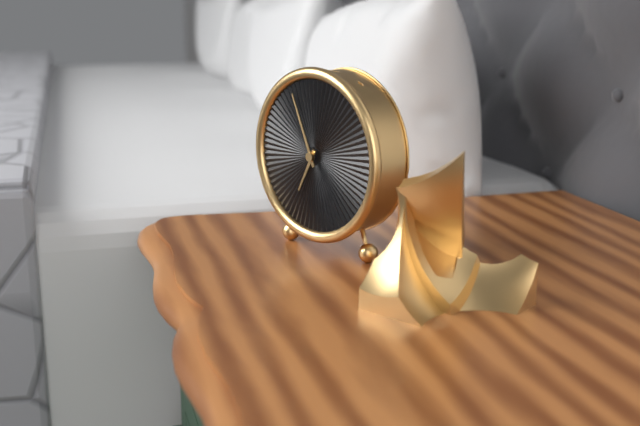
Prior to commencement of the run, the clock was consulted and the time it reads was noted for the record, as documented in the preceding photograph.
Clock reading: 6:56
